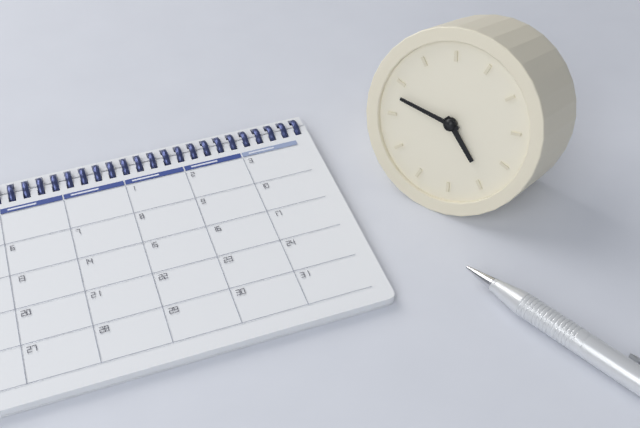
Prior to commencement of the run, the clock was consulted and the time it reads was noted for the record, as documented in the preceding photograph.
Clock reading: 4:48
